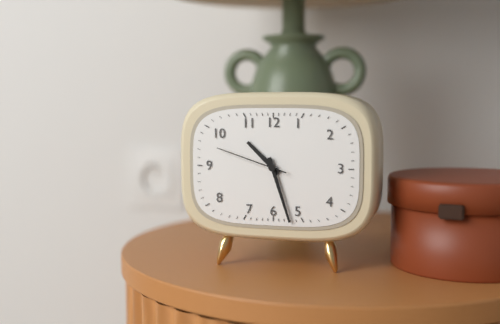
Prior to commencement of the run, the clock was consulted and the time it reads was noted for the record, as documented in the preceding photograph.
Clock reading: 10:27:48
